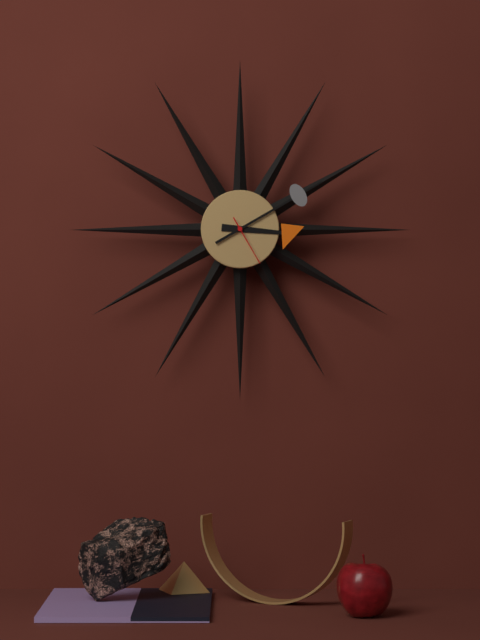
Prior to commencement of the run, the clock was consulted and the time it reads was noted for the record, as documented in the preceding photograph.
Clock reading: 3:10
